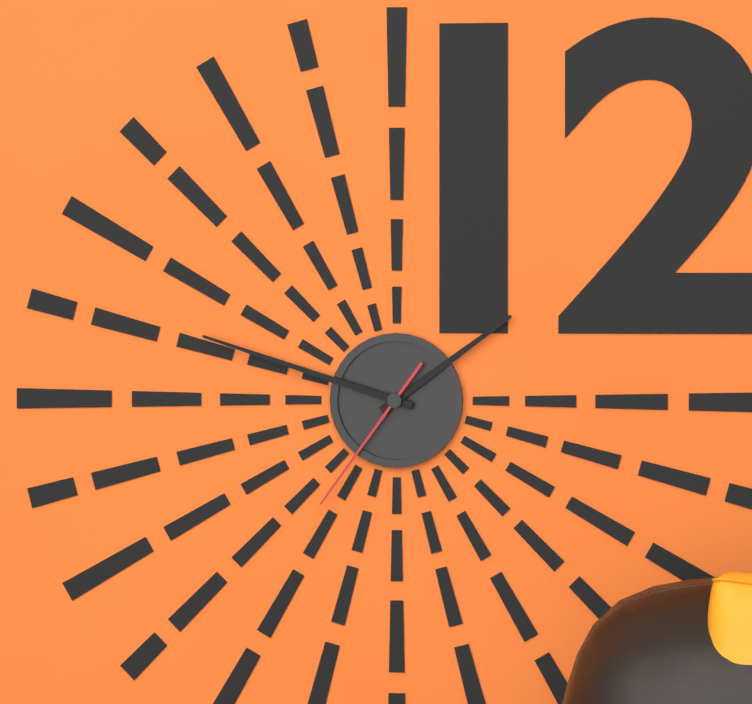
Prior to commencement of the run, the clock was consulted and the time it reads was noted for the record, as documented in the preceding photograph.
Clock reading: 1:48:36
